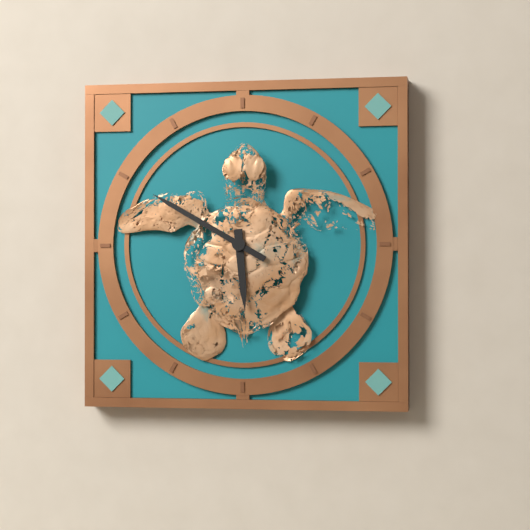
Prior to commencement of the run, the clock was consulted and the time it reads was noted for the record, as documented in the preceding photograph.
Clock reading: 5:50
